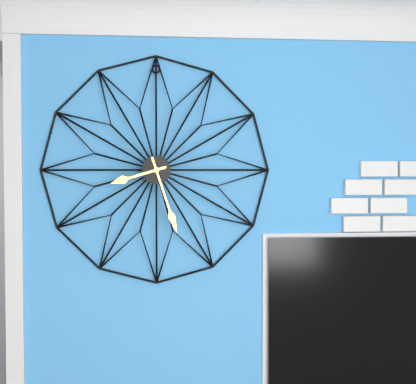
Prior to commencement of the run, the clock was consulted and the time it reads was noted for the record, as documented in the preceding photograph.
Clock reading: 8:27
